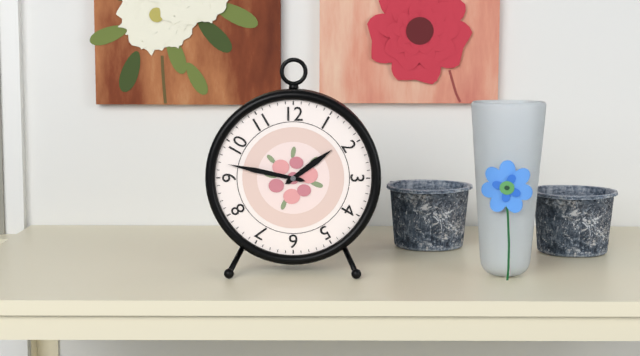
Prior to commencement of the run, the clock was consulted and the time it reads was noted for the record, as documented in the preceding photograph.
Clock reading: 1:47
